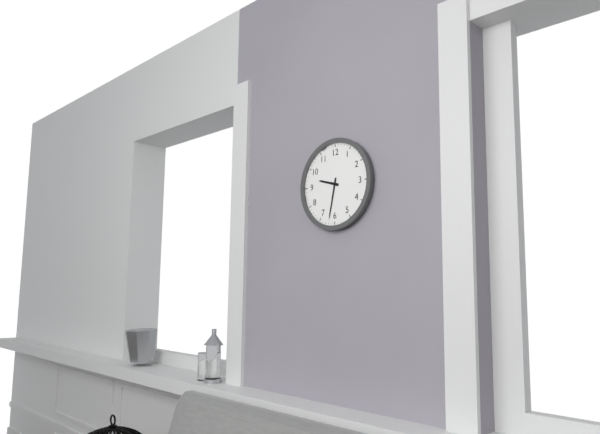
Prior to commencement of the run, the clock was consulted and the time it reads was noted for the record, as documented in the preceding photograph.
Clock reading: 9:32
